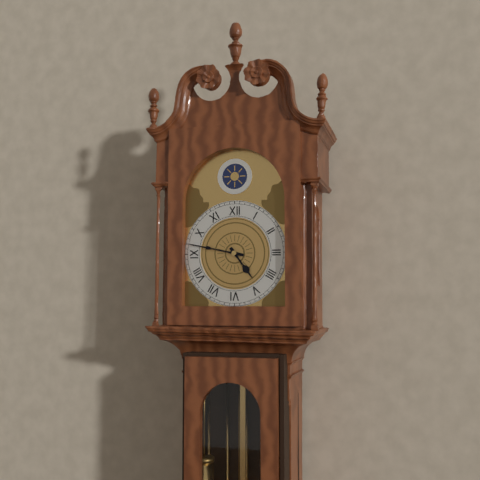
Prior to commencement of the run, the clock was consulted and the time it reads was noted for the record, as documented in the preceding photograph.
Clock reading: 4:47
